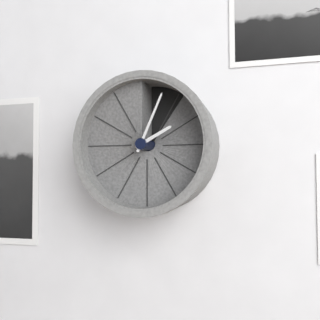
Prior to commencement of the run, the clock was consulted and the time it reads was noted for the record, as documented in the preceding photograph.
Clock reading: 2:04
